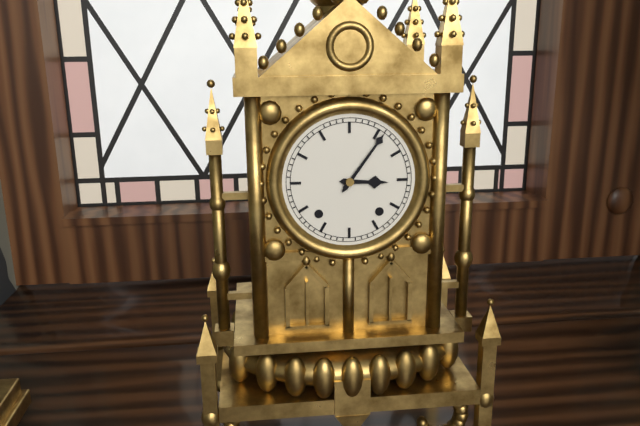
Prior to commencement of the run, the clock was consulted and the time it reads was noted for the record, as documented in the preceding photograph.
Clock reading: 3:06
